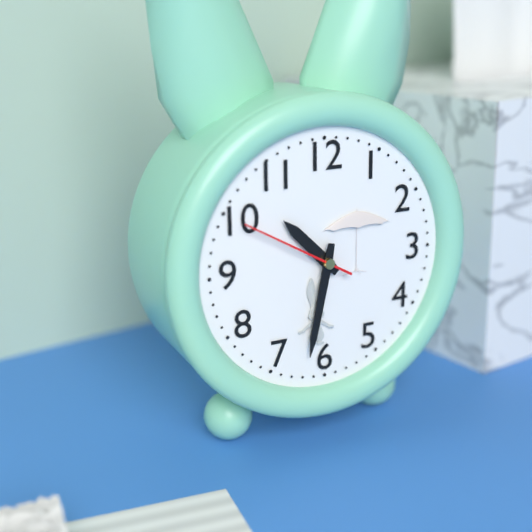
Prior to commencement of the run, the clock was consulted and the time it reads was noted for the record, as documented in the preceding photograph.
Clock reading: 10:32:50
